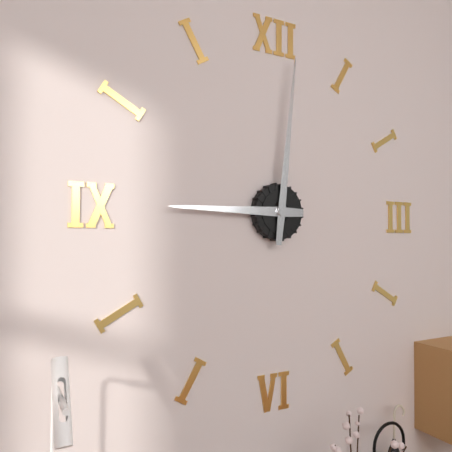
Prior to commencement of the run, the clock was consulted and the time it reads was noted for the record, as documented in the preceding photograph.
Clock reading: 9:01
